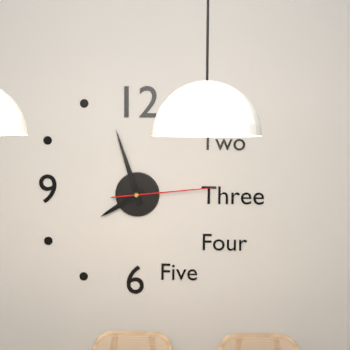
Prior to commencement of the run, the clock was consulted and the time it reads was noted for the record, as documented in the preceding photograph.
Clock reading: 7:57:14
